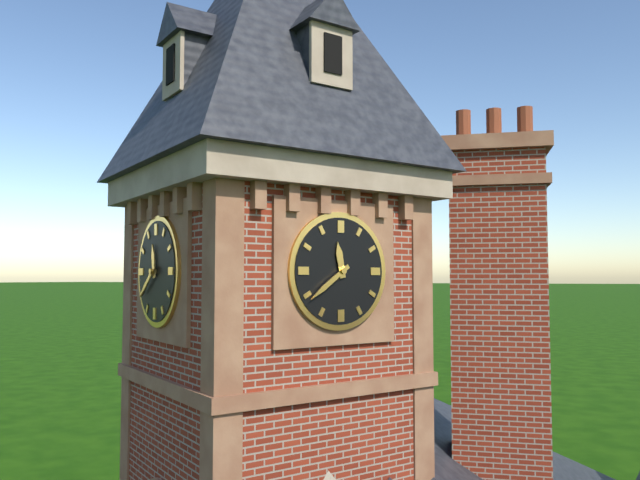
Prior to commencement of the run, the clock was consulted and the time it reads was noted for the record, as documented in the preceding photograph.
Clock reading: 11:39
